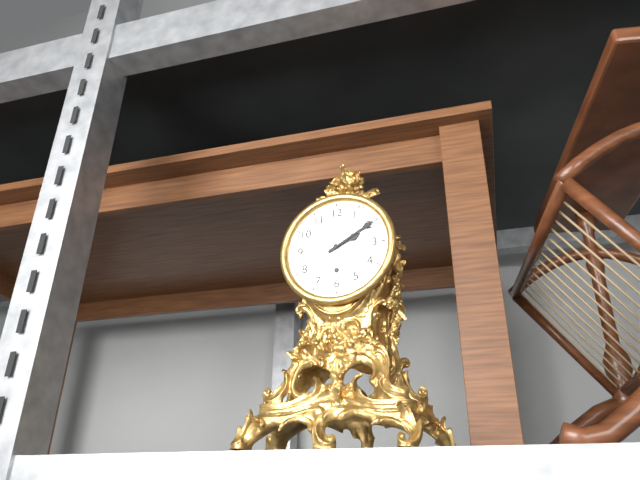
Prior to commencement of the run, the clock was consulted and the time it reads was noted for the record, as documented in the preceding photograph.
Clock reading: 2:10
